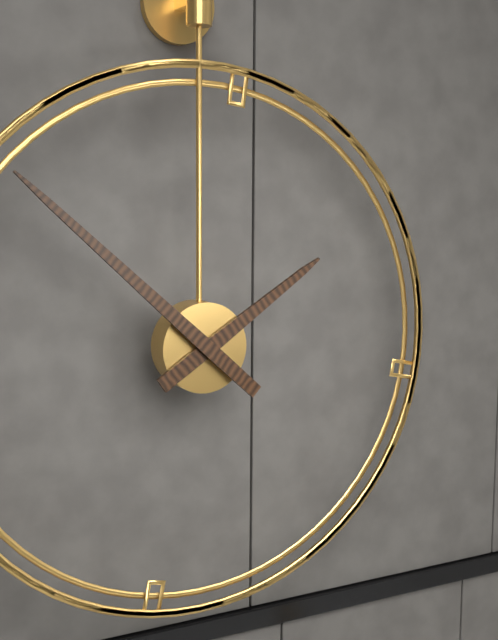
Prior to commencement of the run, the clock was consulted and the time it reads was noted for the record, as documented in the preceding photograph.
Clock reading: 1:52
